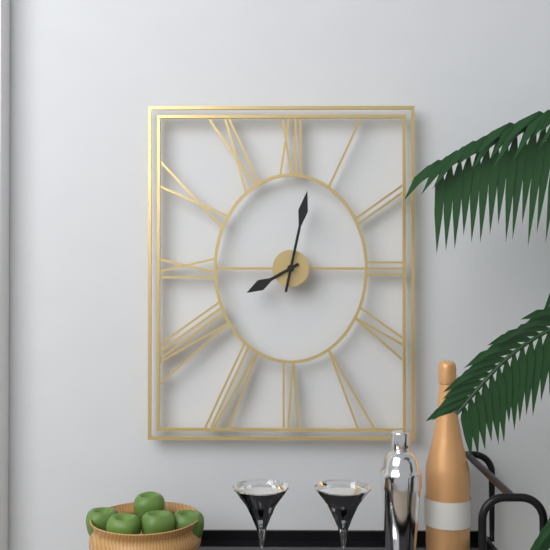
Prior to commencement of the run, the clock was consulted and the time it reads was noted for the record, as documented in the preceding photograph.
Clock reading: 8:02
